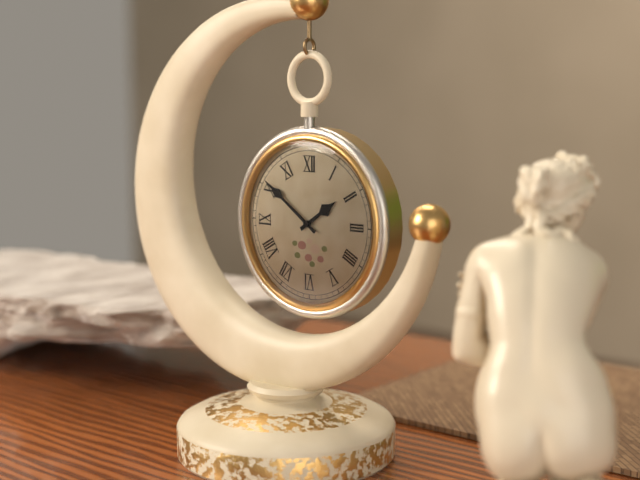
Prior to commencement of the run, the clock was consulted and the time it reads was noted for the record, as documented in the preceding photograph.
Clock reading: 1:51
